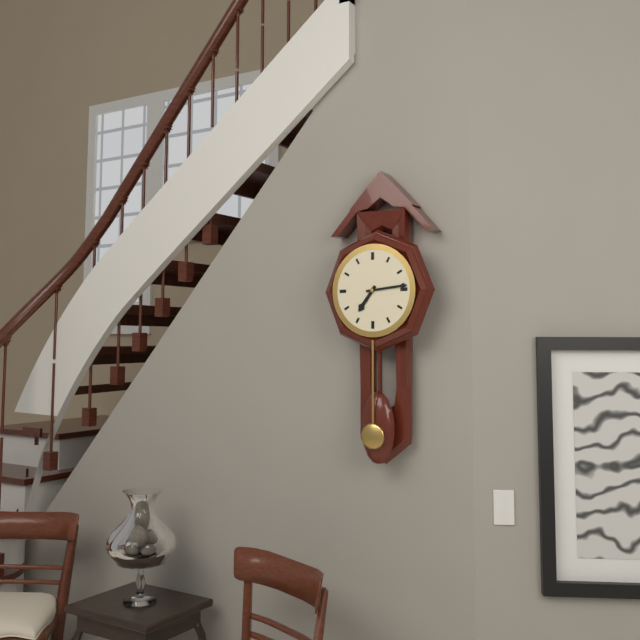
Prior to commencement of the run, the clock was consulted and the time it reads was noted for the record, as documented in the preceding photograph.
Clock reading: 7:14
